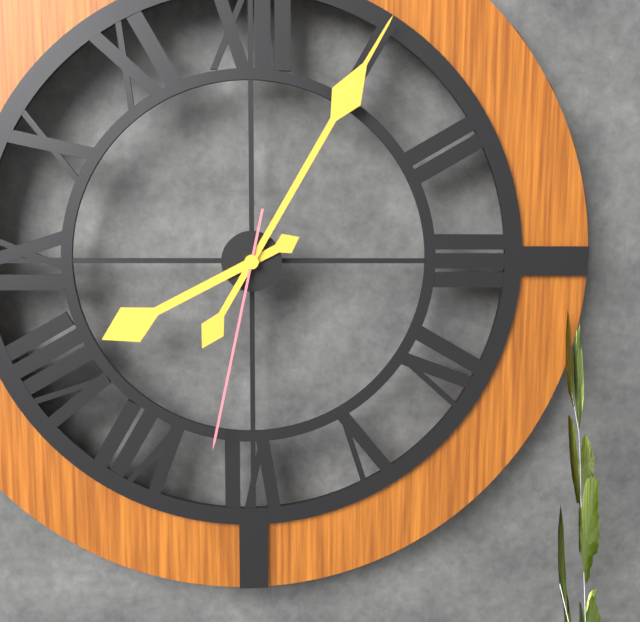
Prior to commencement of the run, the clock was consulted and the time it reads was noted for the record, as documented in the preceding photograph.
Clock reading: 8:05:32
